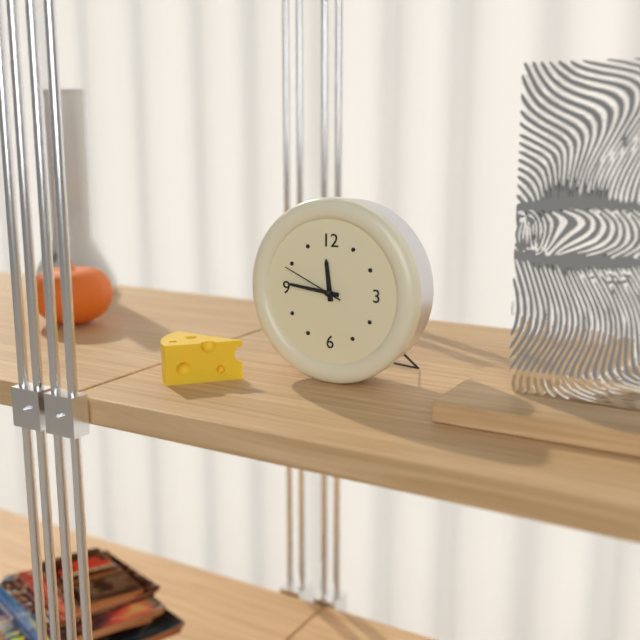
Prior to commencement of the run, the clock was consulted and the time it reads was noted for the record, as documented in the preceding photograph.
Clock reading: 11:46:49
